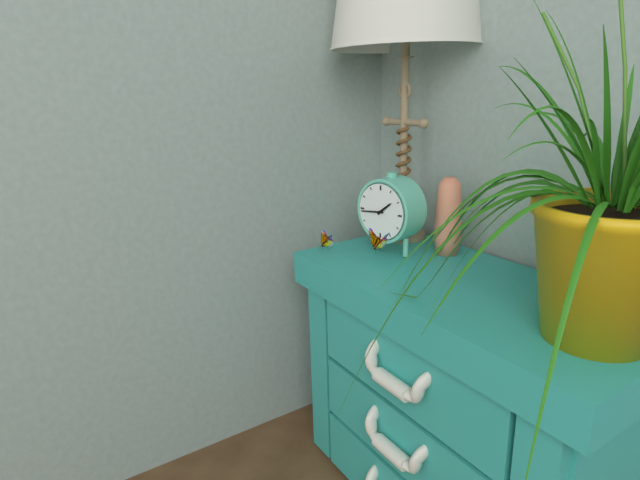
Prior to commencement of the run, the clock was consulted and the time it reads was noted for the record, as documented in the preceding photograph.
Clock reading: 1:44
